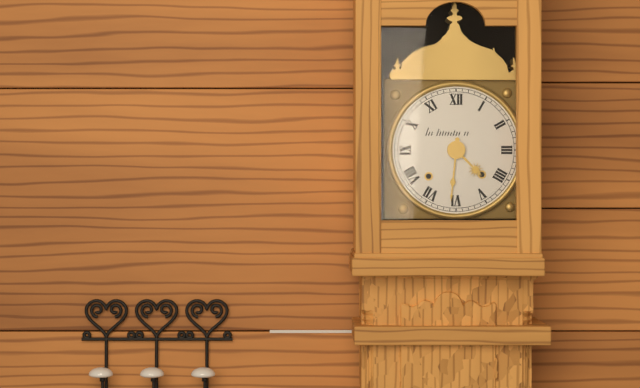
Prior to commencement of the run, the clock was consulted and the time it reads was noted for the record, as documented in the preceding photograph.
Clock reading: 4:31
